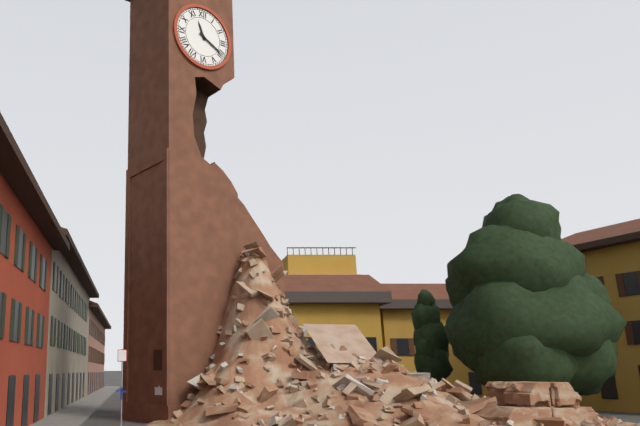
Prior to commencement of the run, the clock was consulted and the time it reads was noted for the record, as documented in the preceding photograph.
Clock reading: 11:20
